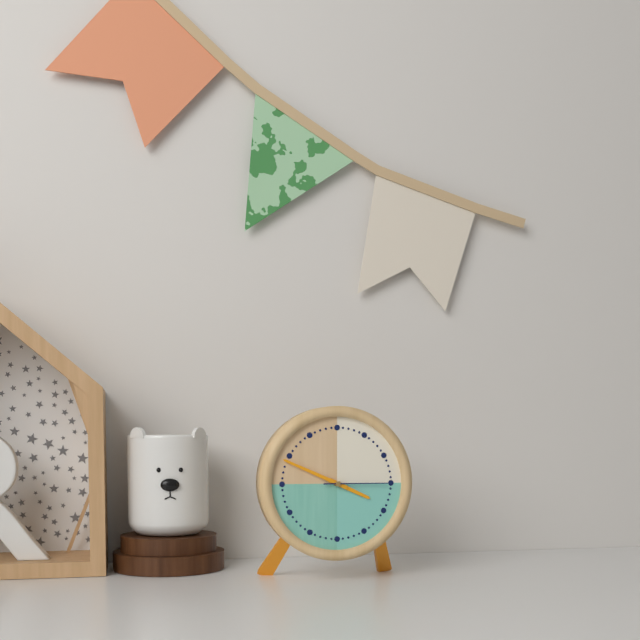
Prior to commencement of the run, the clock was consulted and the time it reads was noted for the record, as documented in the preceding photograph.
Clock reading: 3:49:15
